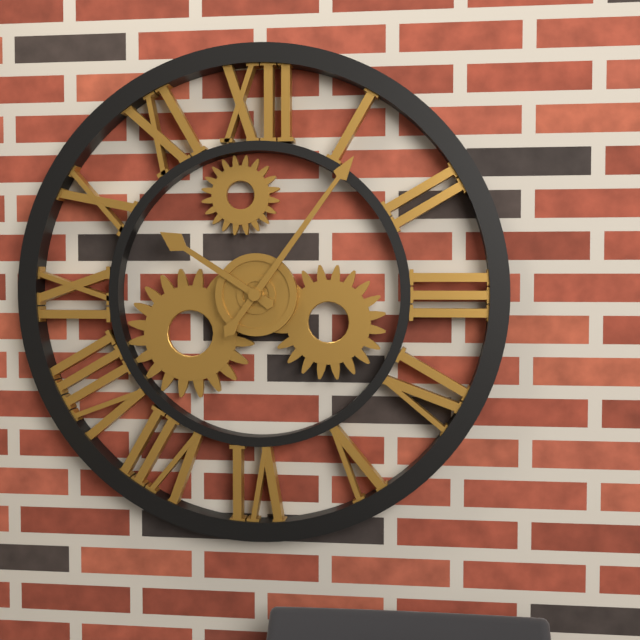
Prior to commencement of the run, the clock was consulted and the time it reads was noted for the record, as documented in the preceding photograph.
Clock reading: 10:06
